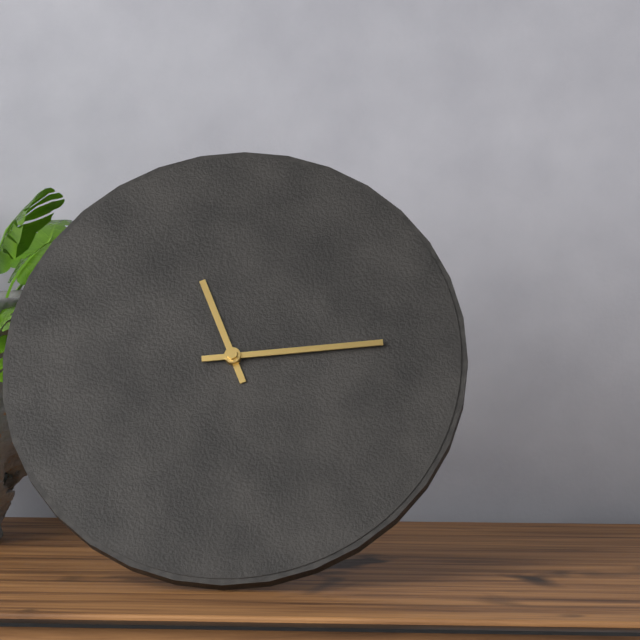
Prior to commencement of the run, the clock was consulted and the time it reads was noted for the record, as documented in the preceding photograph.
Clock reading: 11:14
